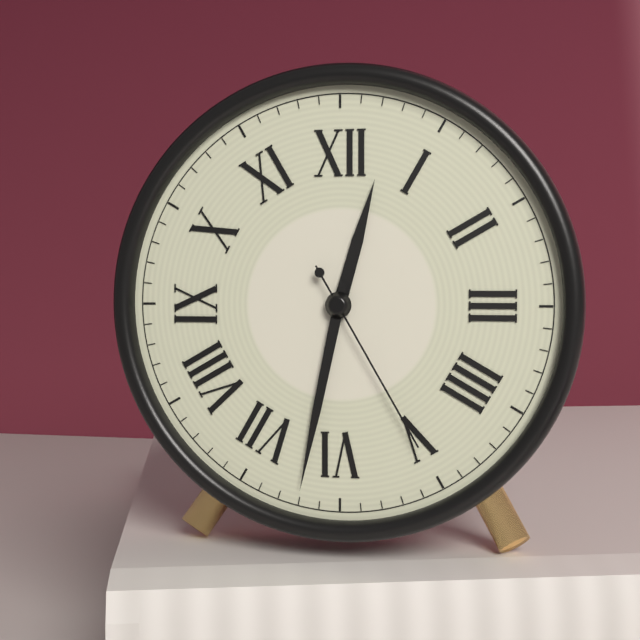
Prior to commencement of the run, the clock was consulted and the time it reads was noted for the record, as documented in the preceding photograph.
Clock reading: 12:32:25
